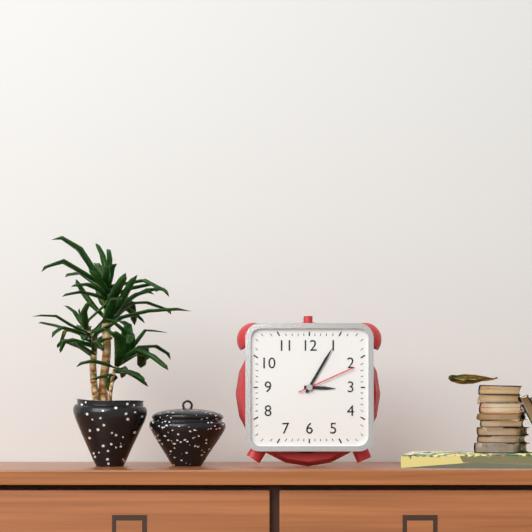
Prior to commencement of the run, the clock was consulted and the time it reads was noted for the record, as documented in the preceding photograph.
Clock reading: 3:05:11
